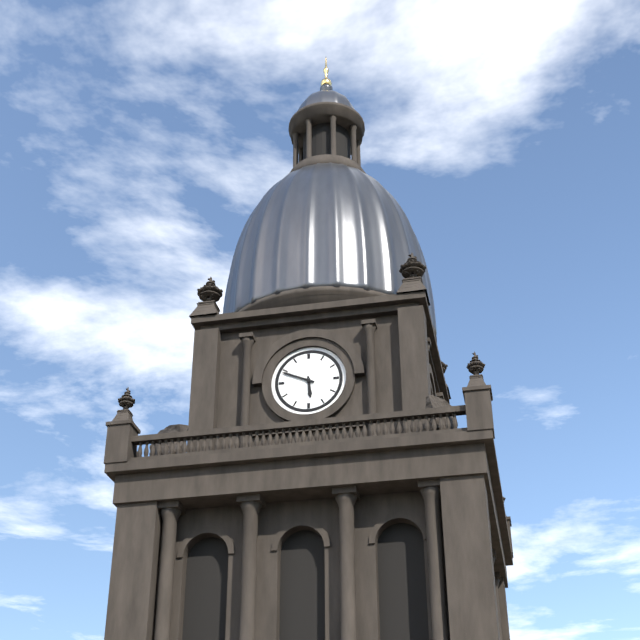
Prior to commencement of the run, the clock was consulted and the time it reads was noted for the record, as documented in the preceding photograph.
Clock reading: 5:49
